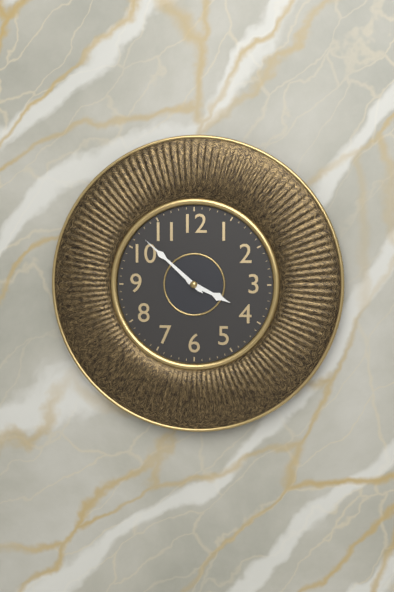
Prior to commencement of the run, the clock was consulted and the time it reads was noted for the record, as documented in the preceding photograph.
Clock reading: 3:52
